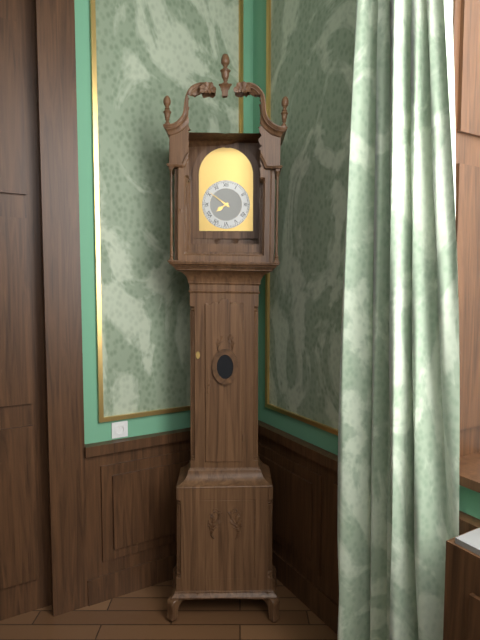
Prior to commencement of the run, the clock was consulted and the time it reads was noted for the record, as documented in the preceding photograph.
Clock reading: 7:51
